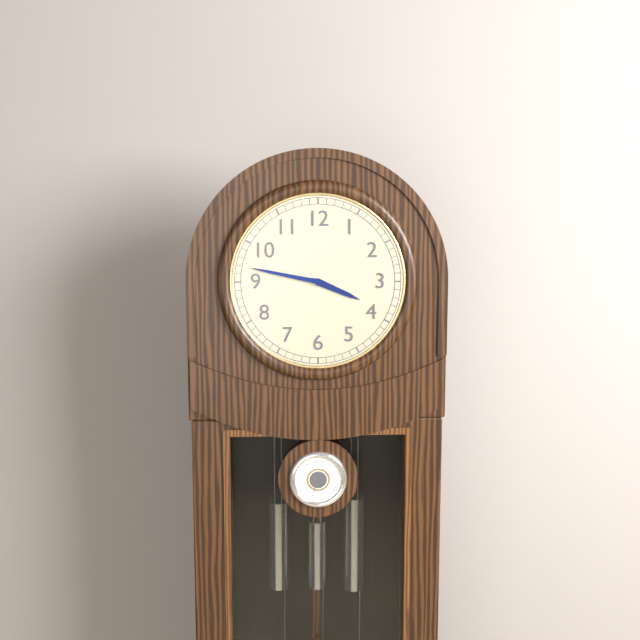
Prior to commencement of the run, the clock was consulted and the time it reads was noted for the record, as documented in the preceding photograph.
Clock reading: 3:47
